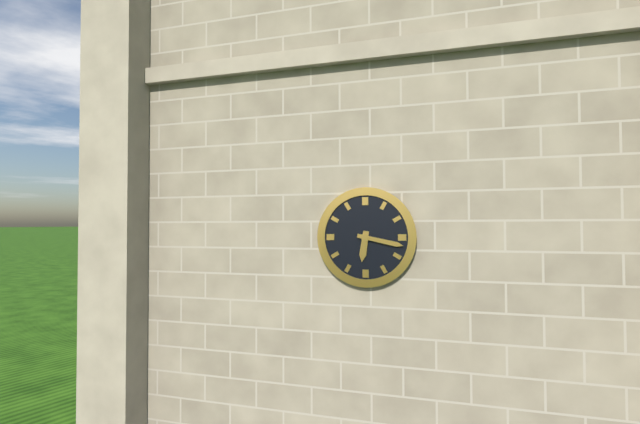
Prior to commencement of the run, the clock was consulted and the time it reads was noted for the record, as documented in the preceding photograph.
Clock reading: 6:17
